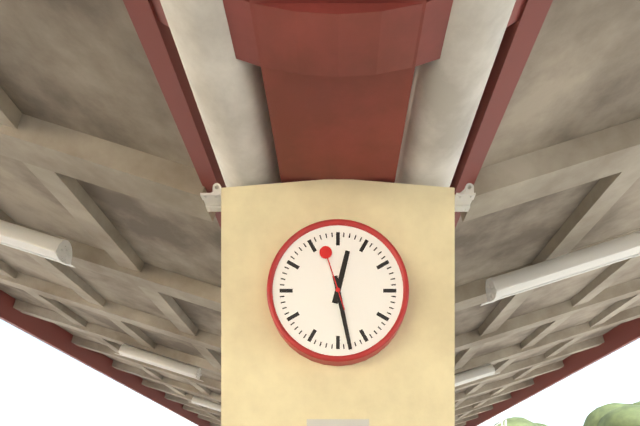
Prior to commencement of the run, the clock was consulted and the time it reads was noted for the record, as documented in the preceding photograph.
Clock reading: 12:28:57
